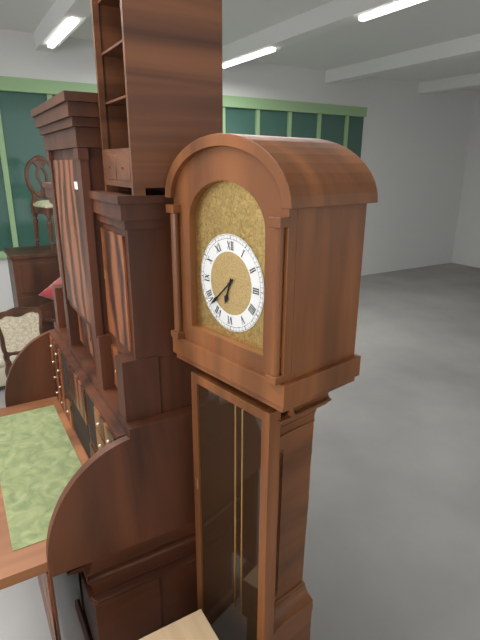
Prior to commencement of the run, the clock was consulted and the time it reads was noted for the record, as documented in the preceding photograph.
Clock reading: 6:38
